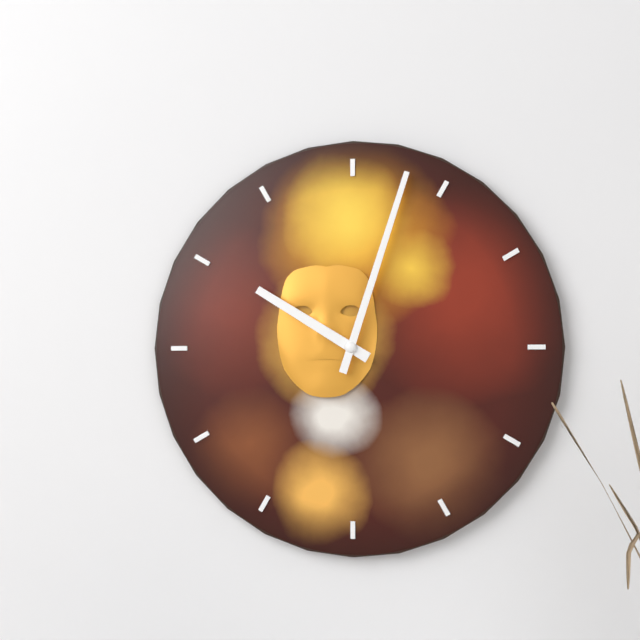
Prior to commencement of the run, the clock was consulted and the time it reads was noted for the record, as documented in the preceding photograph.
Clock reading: 10:03
